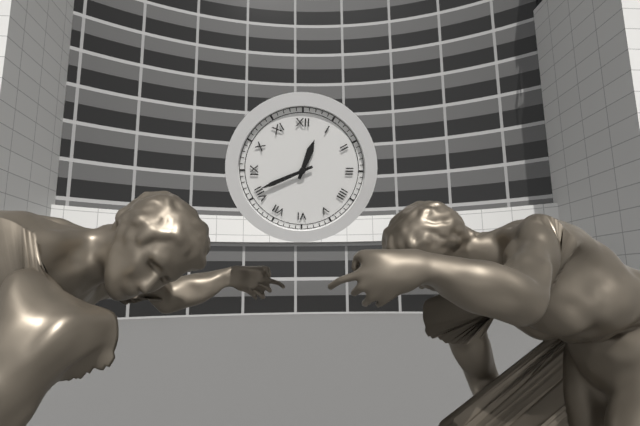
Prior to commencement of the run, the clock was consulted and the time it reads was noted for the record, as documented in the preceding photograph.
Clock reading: 12:41
